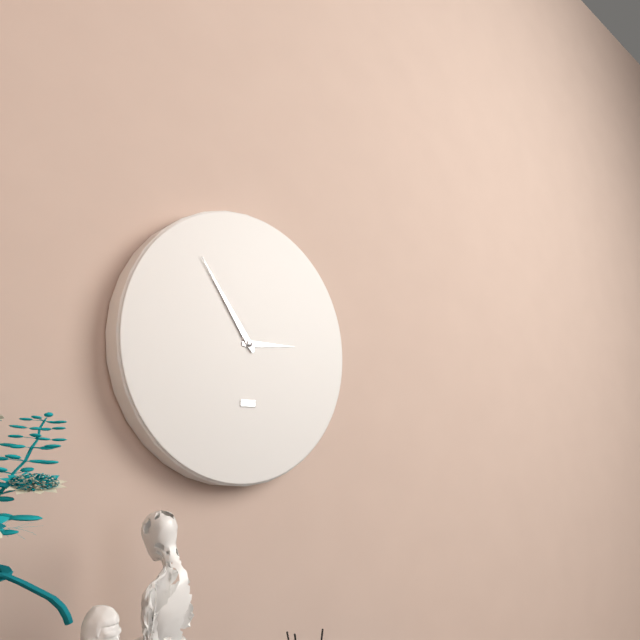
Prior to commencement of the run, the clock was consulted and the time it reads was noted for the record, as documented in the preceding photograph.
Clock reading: 2:54
